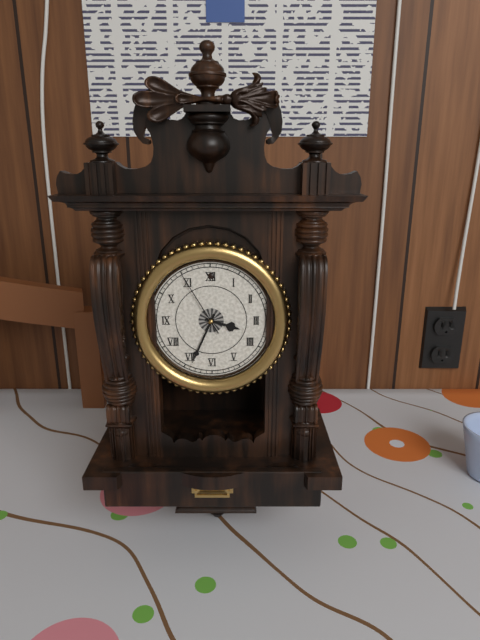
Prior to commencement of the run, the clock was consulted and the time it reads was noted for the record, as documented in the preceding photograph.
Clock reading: 3:34:55
